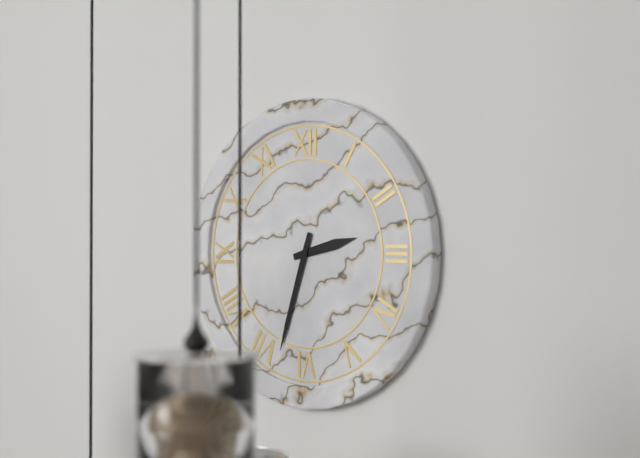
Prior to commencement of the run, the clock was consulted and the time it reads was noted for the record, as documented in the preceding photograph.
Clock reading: 2:33
